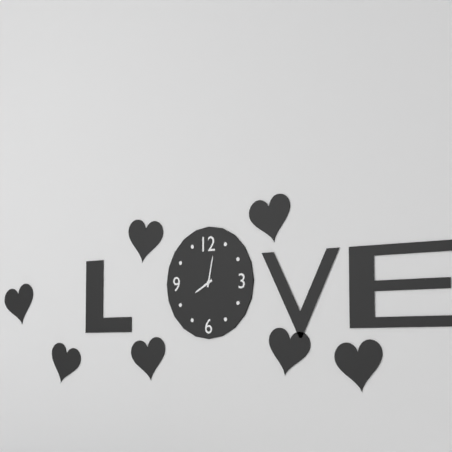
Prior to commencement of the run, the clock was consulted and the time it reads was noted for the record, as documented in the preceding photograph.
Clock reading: 8:02
